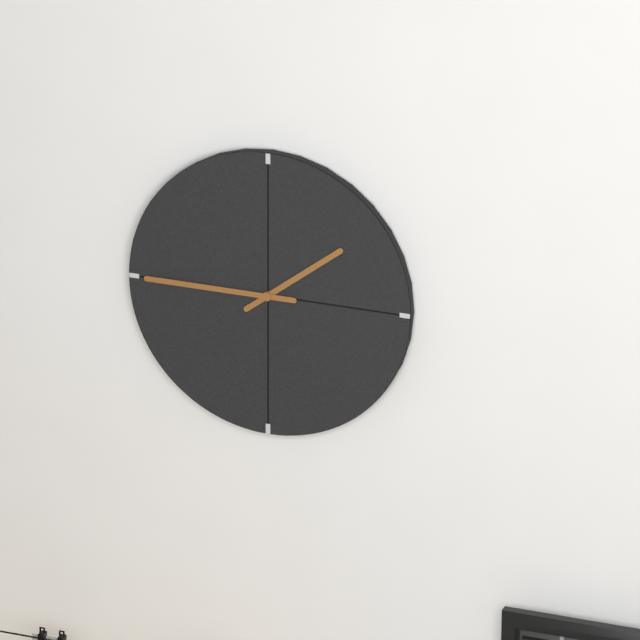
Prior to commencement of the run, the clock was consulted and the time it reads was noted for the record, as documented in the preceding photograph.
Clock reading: 1:45
